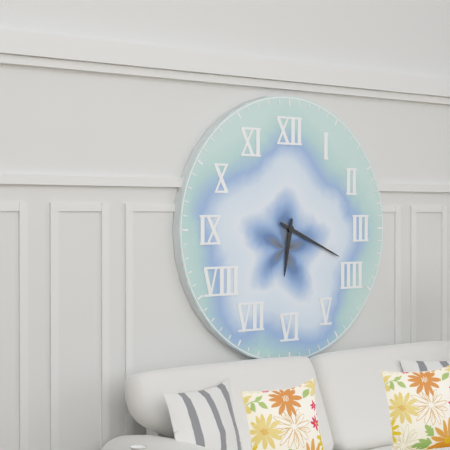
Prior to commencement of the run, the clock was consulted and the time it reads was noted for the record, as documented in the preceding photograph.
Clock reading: 6:19
